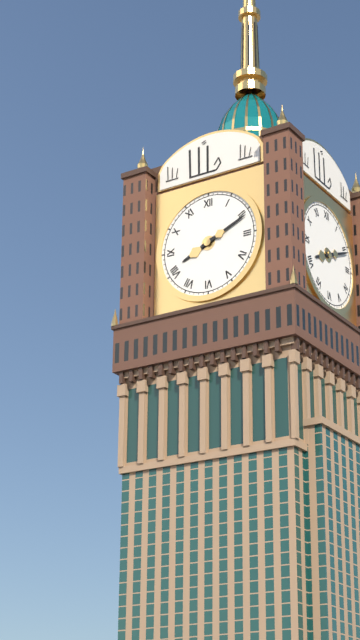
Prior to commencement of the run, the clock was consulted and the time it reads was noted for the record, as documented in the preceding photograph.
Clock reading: 8:11
